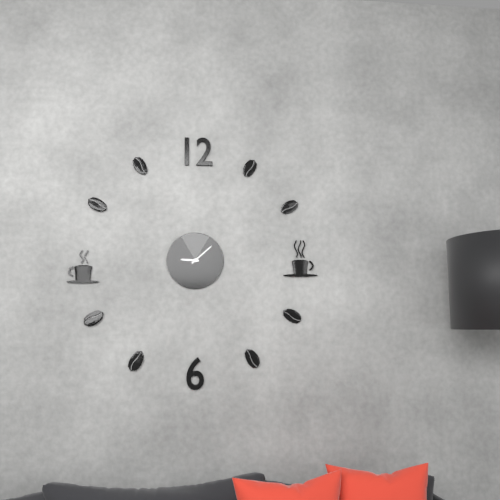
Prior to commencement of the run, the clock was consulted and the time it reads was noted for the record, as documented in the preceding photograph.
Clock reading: 9:08
